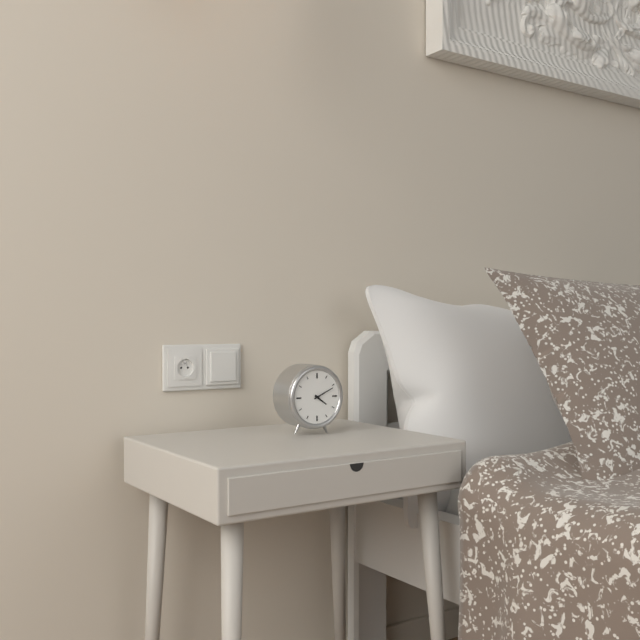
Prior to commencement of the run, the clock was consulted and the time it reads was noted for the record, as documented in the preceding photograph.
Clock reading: 4:11
